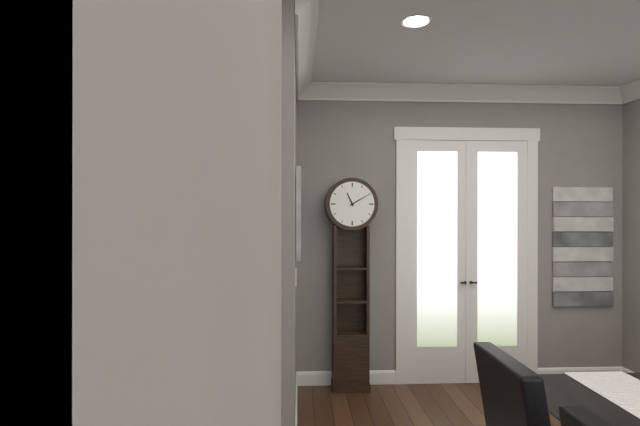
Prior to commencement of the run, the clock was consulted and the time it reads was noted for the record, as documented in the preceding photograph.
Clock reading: 11:10
